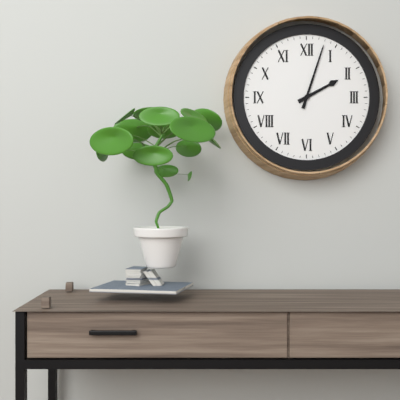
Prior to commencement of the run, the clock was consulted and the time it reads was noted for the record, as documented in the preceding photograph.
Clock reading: 2:03
